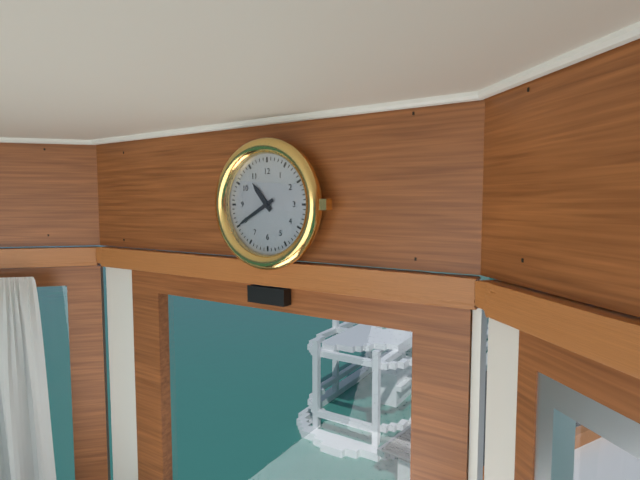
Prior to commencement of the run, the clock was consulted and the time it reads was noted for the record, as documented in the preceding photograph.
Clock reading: 10:40
